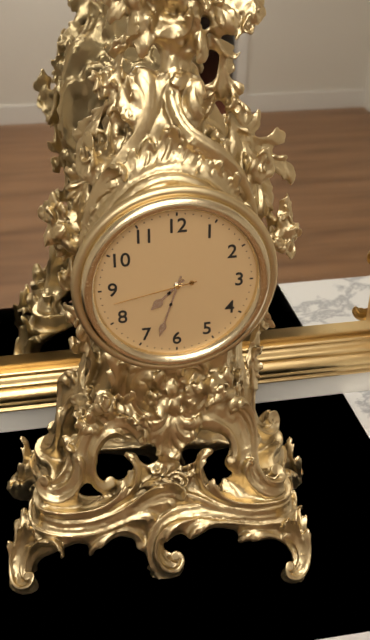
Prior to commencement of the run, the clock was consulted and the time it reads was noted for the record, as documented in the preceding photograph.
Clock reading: 7:33:43
